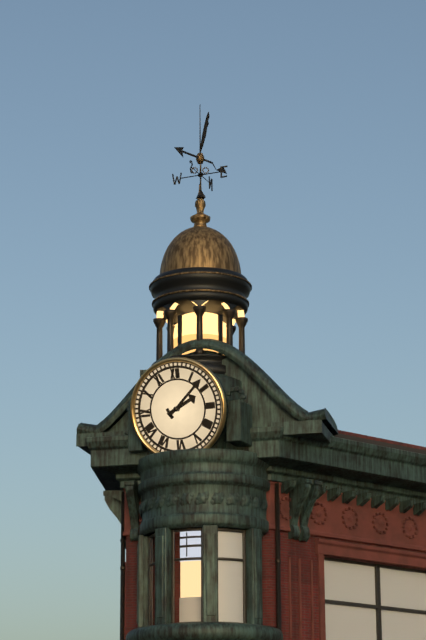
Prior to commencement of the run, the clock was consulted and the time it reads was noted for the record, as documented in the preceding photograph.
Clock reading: 2:08
